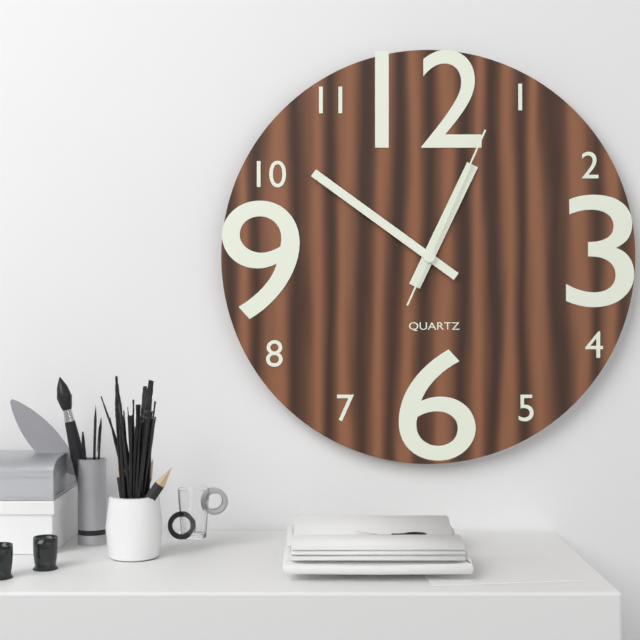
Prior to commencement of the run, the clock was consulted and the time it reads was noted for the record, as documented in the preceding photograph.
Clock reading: 12:51:04
